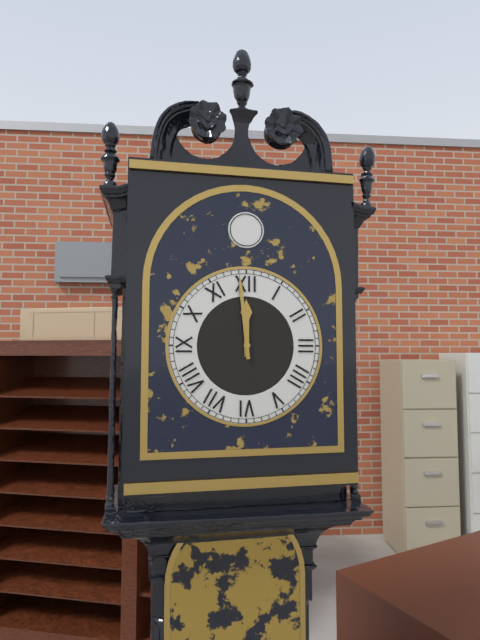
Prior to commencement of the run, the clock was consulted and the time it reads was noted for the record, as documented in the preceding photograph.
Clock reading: 11:59
